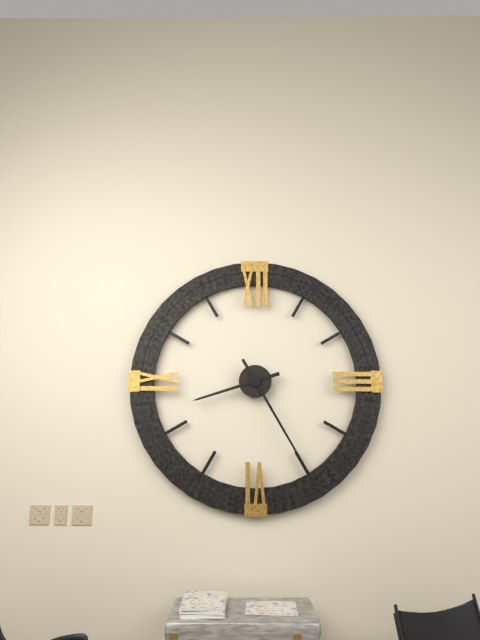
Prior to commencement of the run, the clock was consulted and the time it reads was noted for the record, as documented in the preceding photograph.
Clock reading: 8:25
